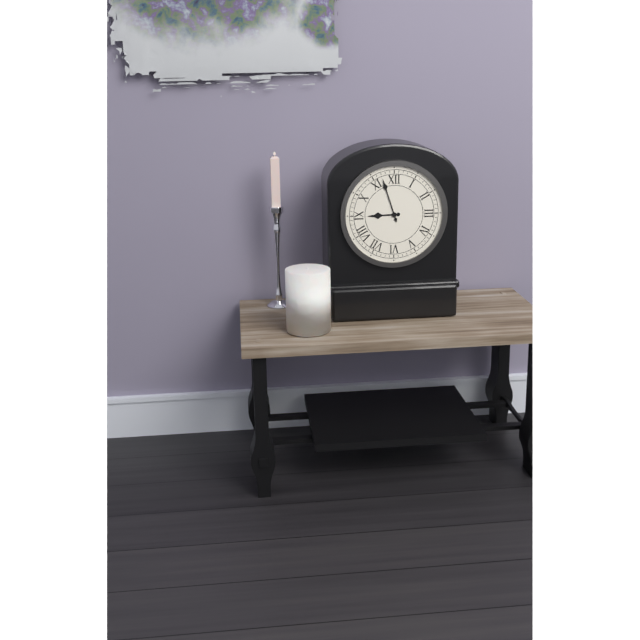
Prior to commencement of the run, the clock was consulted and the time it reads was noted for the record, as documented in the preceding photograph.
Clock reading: 8:57
